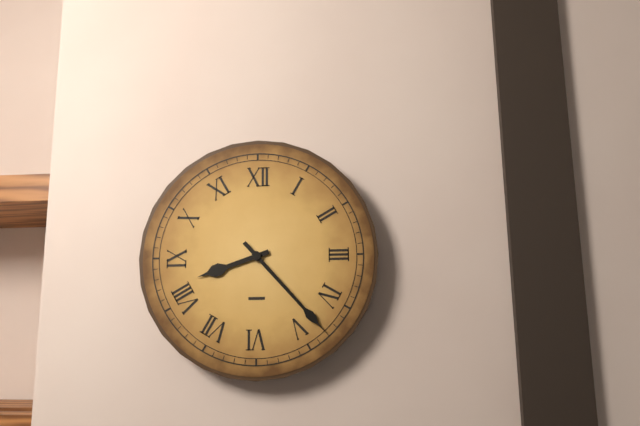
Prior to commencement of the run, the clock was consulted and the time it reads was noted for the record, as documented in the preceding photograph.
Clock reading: 8:23
